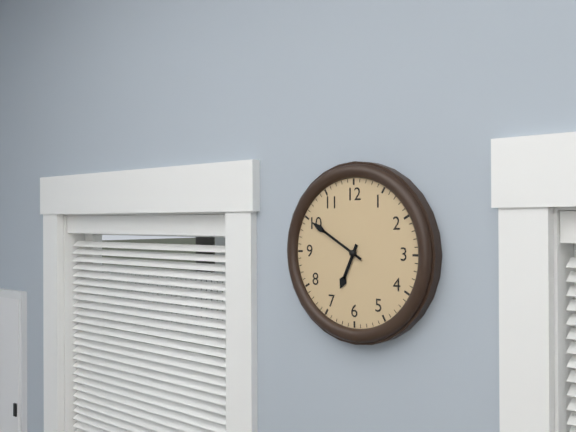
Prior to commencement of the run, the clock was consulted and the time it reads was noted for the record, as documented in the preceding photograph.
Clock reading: 6:50
